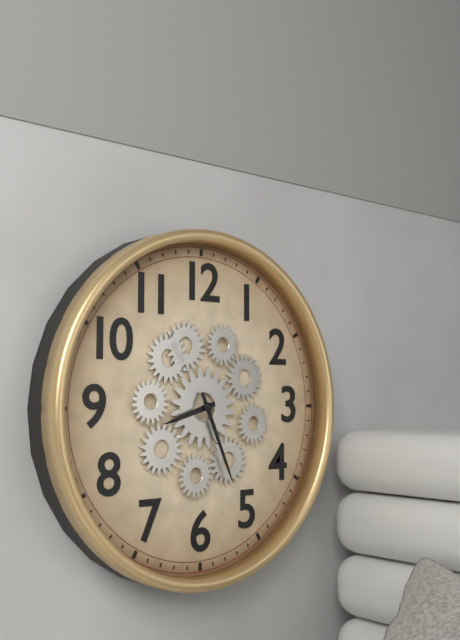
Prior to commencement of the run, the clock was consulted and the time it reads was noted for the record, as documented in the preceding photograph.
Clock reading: 8:26
